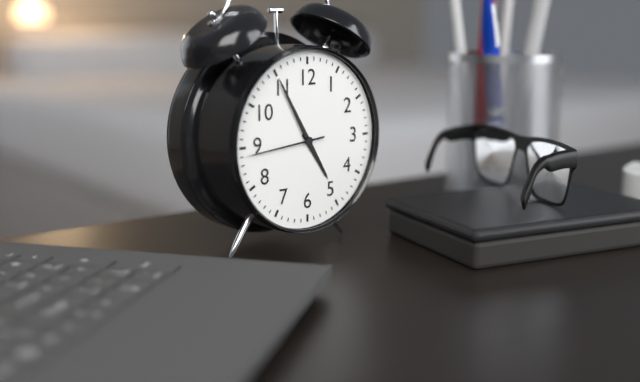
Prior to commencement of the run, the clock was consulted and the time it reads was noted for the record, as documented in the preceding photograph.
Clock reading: 4:55:44
